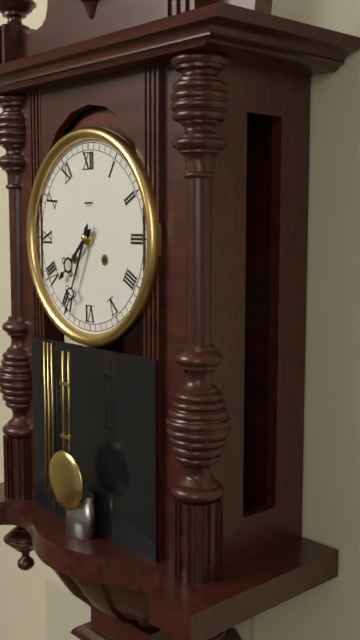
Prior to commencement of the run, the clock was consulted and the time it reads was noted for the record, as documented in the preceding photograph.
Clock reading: 7:34
